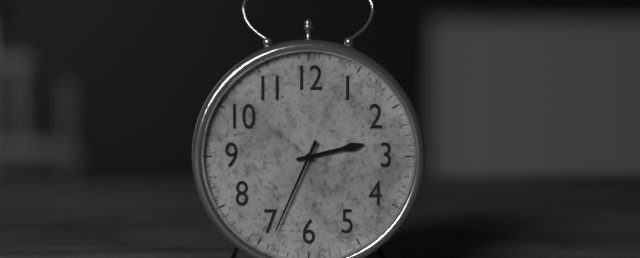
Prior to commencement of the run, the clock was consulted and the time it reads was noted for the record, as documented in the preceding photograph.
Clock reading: 2:34
